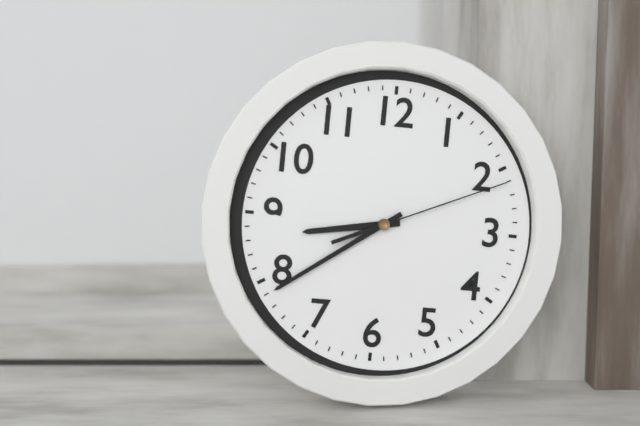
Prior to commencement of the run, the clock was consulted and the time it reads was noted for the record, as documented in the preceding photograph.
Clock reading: 8:39:11
